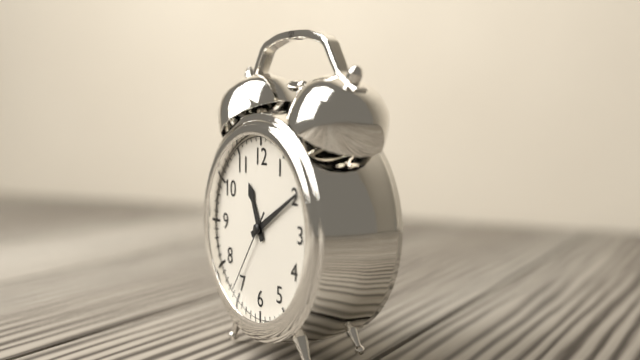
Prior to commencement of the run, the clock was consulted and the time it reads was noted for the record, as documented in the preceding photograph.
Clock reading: 11:10:36
